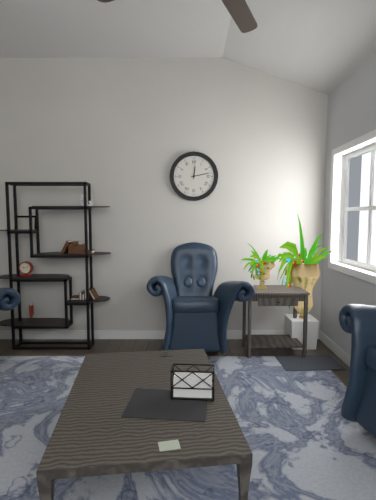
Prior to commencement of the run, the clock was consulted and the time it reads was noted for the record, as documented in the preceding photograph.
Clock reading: 12:13
